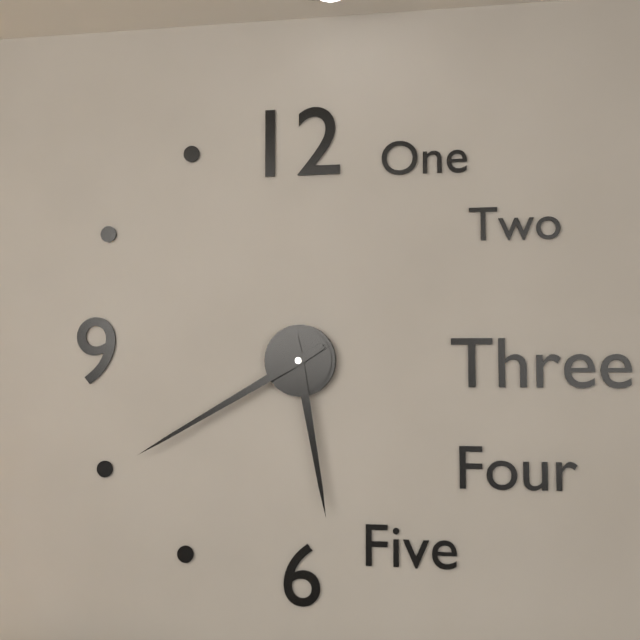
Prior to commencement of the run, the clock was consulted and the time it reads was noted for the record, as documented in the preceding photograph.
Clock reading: 5:40
